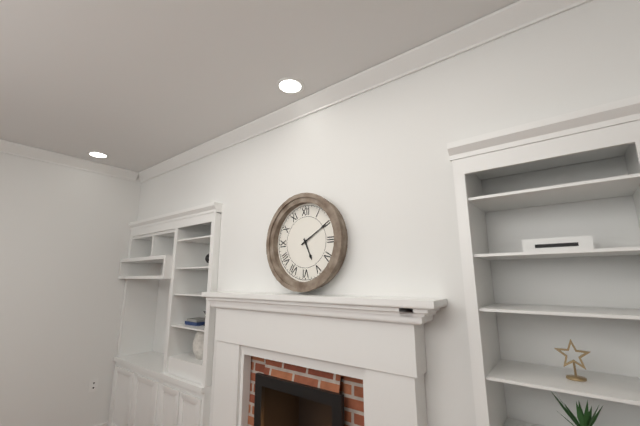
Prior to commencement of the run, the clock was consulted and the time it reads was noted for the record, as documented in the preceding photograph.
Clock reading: 5:10
